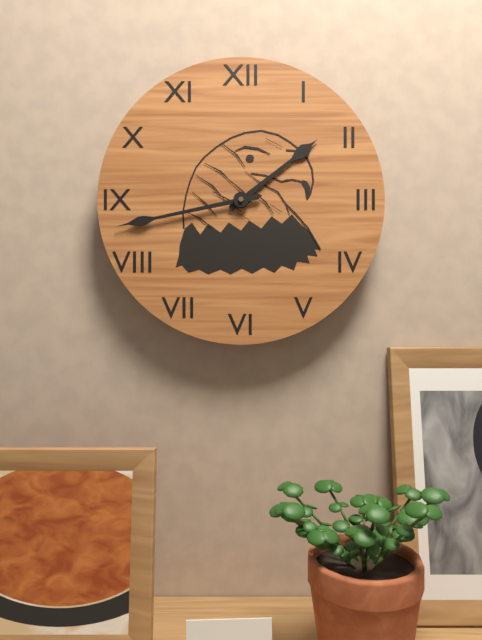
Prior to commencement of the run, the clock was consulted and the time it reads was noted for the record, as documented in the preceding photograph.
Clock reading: 1:43
